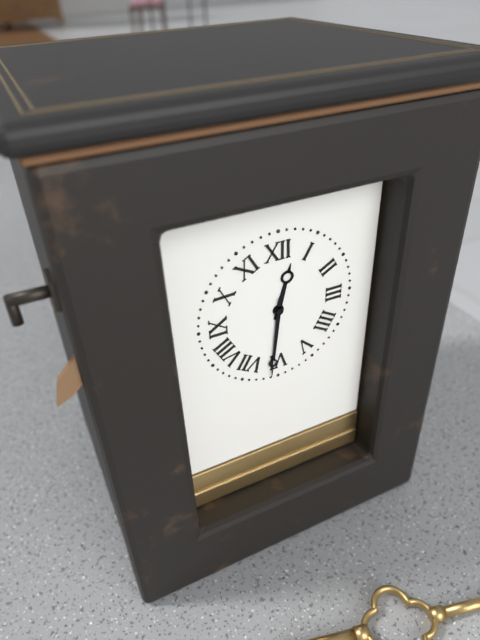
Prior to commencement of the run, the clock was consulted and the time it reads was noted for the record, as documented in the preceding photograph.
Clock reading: 12:31
